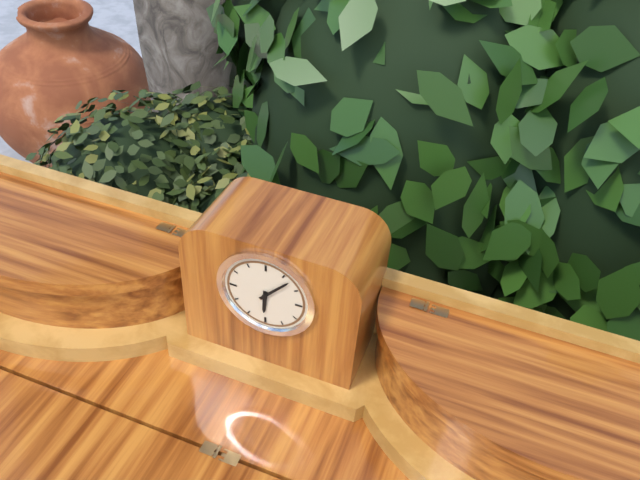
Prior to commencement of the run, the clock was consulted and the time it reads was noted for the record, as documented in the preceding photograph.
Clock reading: 6:07
